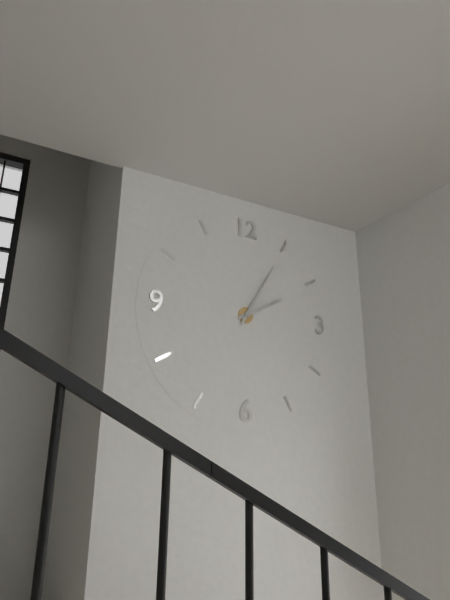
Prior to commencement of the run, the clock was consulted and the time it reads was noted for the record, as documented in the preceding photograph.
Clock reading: 2:05
